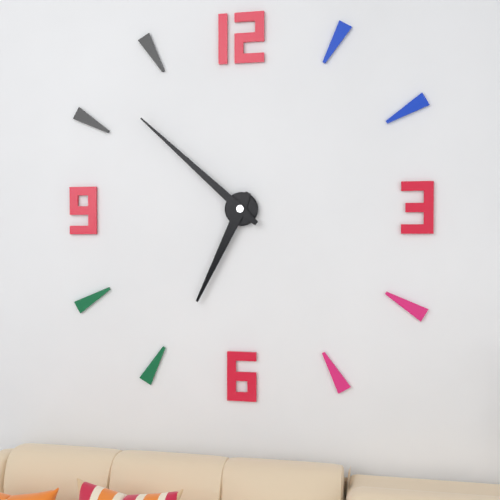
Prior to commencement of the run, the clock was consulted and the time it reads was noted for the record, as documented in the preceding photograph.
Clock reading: 6:52
